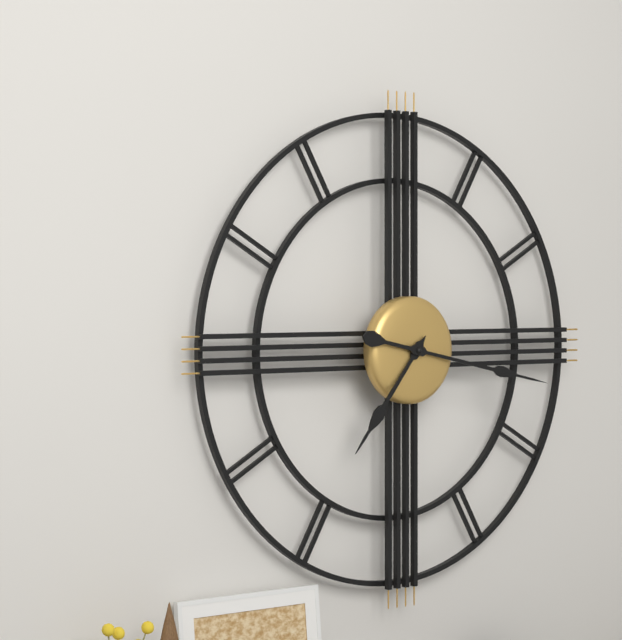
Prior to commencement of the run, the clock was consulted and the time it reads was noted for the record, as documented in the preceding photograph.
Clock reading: 7:17
